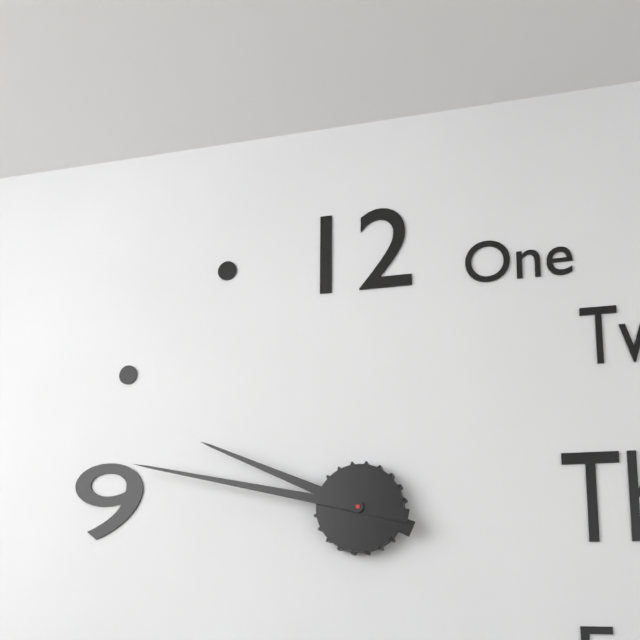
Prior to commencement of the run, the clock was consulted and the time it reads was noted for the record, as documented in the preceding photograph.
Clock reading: 9:47
